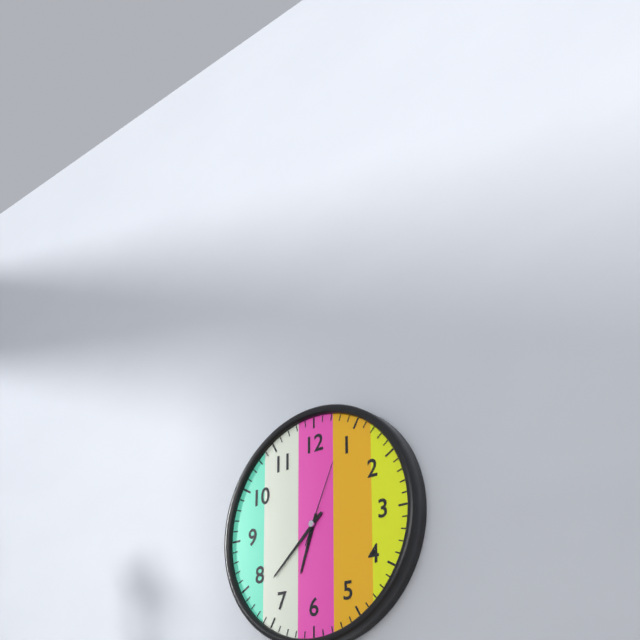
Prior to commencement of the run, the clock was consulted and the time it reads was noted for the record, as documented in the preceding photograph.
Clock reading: 6:38:04
